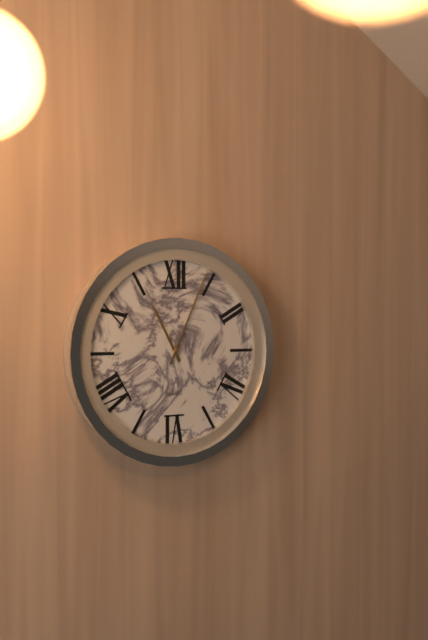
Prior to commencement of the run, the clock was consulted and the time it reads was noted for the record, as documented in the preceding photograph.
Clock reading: 11:04
